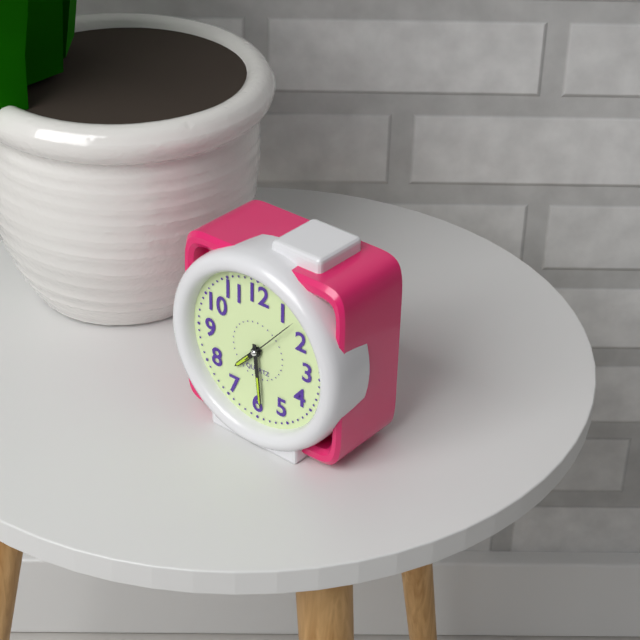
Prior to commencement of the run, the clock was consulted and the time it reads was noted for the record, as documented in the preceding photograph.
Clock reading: 7:29:07
